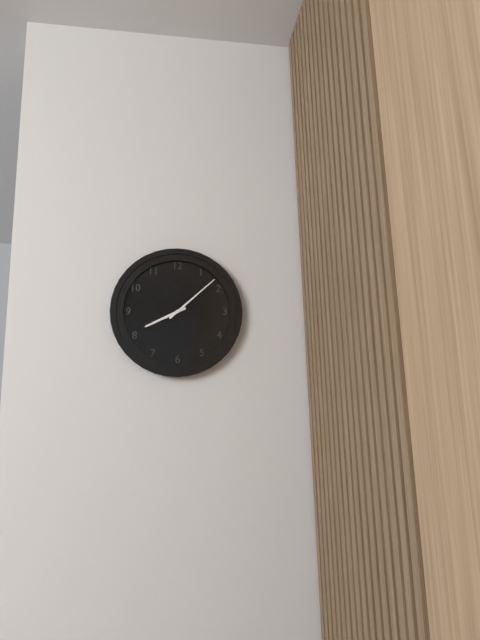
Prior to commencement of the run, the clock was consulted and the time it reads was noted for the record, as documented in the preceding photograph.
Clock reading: 8:08
